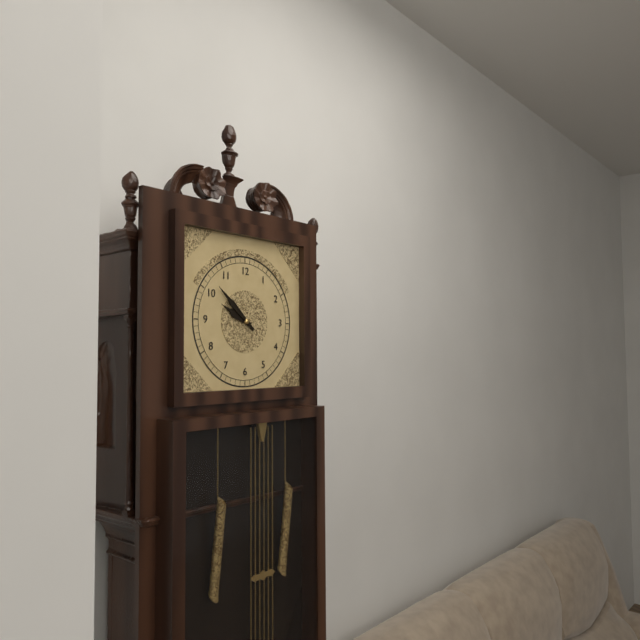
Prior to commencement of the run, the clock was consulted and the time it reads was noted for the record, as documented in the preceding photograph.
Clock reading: 9:52
